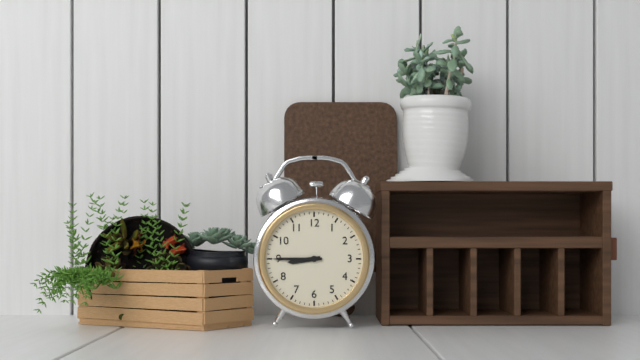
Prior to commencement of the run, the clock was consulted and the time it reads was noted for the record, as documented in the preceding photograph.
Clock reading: 8:45
